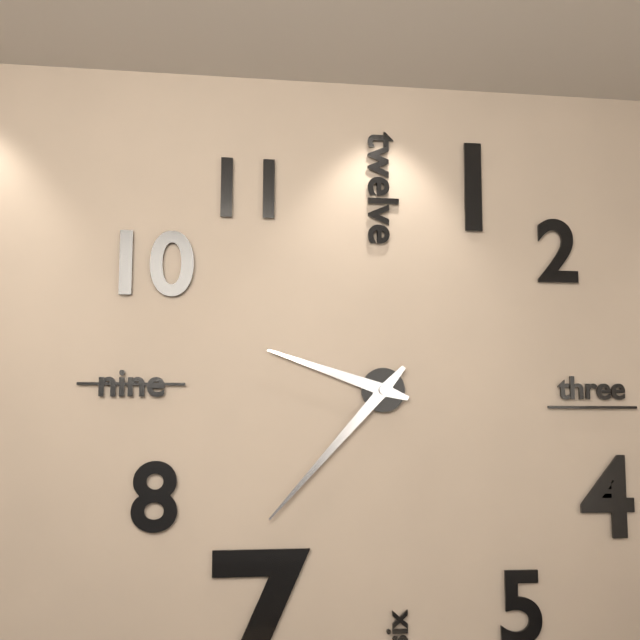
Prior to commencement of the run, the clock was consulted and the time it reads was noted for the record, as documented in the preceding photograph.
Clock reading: 9:37
